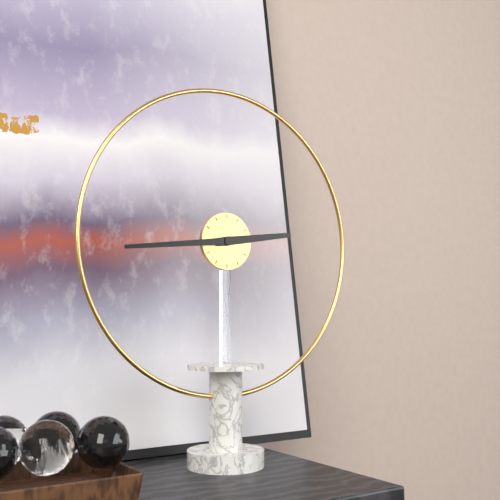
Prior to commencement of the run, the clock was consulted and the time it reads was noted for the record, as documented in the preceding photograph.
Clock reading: 2:44
